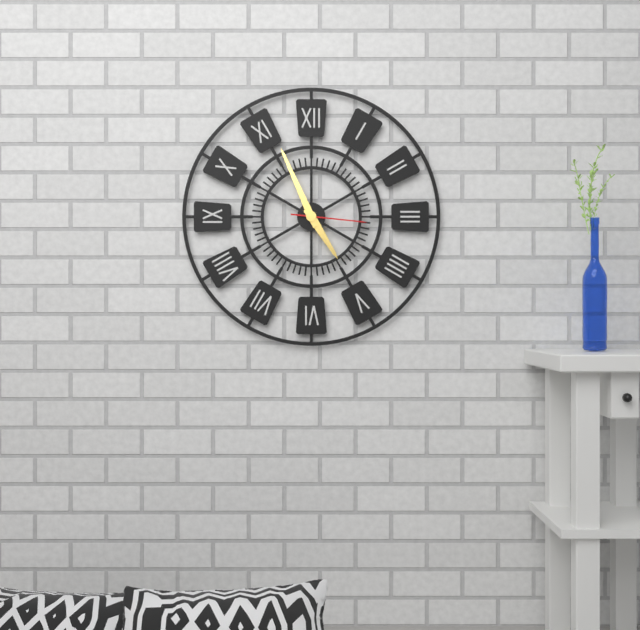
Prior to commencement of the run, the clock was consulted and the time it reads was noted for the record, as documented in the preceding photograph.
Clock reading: 4:56:16
